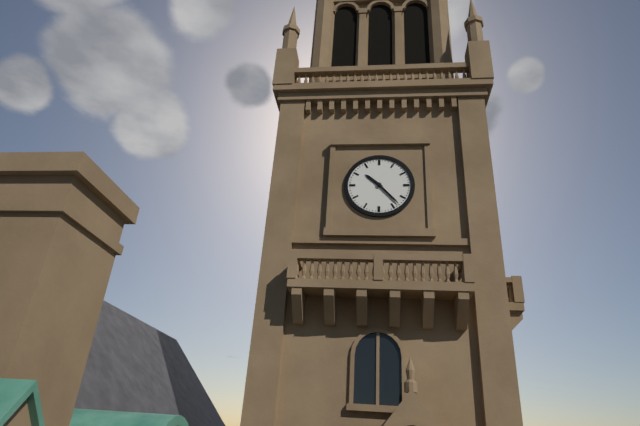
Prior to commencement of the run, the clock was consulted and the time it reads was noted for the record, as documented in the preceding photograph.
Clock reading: 10:23
